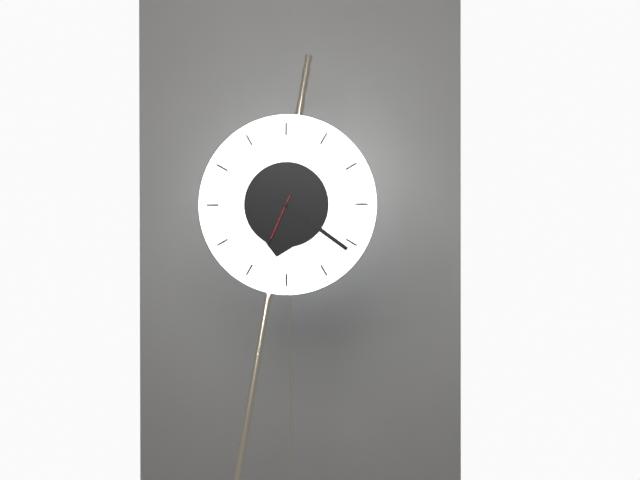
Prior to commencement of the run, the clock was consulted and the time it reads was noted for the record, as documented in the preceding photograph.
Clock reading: 6:21:34
